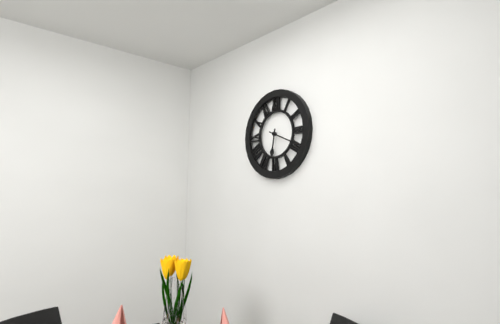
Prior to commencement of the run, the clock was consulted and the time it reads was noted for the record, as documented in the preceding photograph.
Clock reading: 6:19
